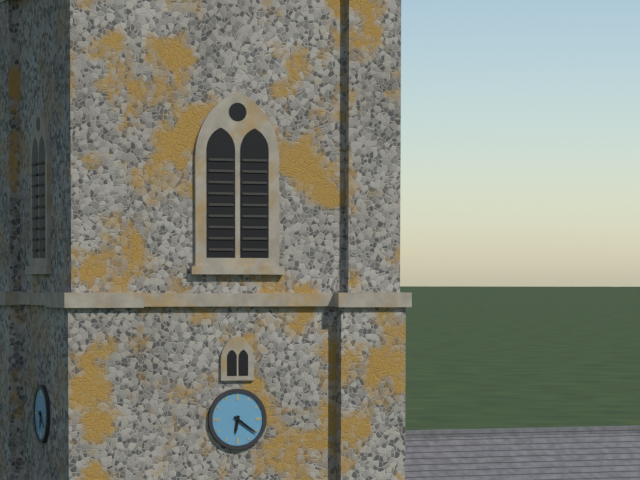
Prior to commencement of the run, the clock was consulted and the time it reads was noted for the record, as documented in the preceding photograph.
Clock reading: 6:21
